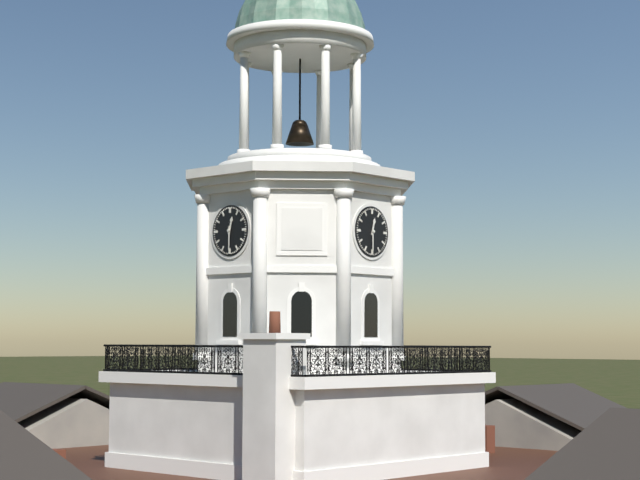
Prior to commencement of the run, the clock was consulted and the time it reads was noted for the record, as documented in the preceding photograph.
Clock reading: 12:30
